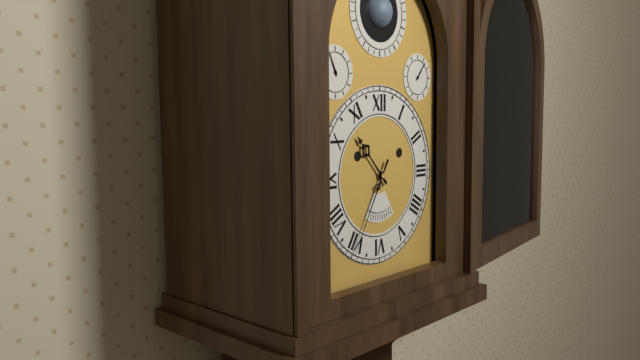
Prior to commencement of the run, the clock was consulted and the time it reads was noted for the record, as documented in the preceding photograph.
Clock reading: 10:35
